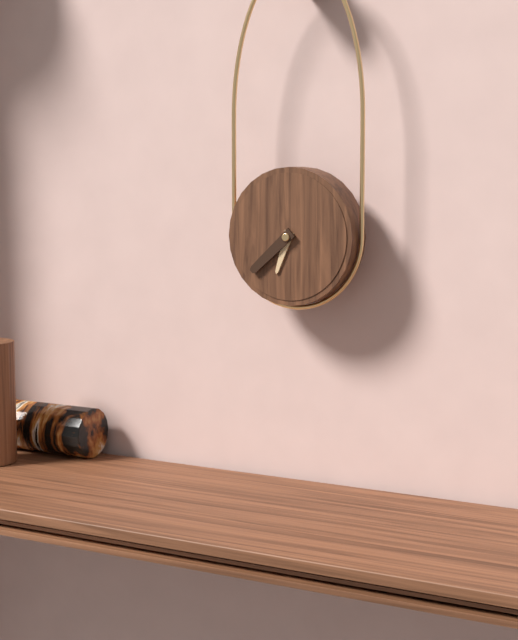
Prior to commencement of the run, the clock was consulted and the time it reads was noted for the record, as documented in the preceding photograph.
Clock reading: 6:38
